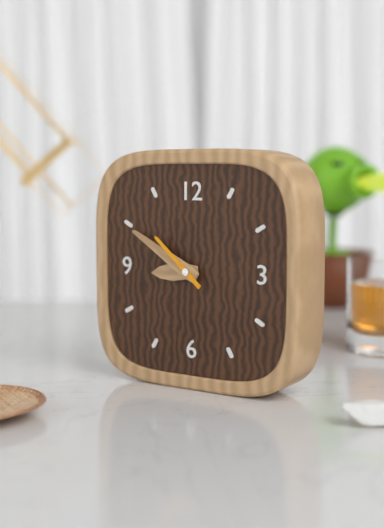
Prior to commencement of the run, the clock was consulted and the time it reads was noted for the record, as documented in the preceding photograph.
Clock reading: 8:50:52
